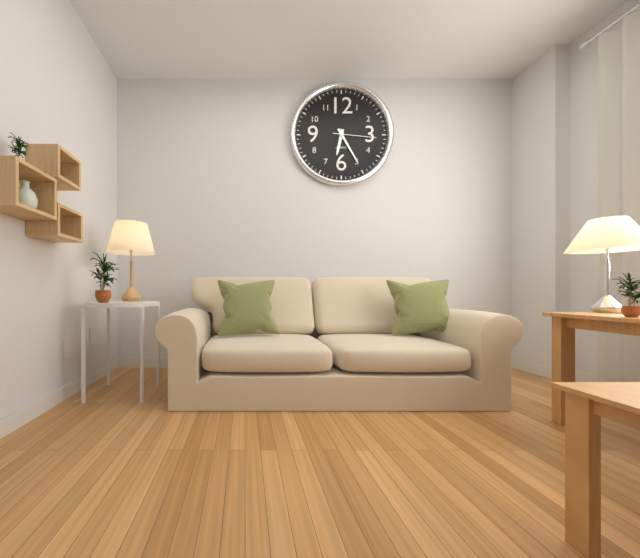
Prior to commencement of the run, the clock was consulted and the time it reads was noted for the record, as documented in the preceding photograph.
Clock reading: 6:25
